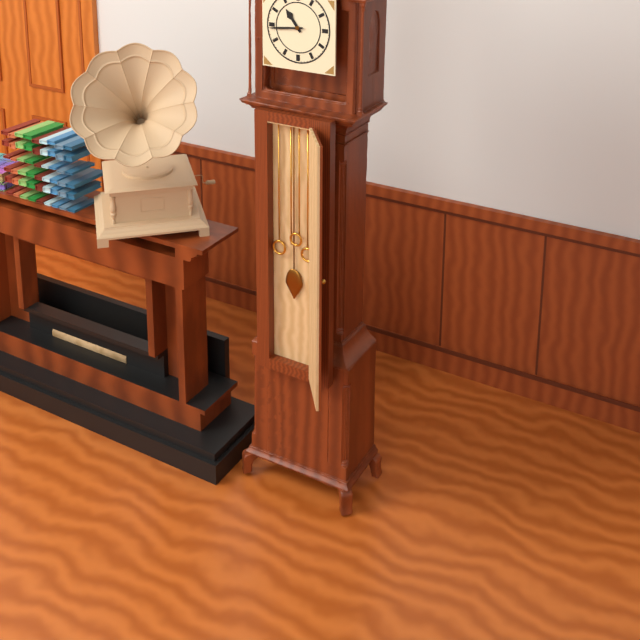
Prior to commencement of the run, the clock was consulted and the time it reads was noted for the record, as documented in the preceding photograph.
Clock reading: 10:44
